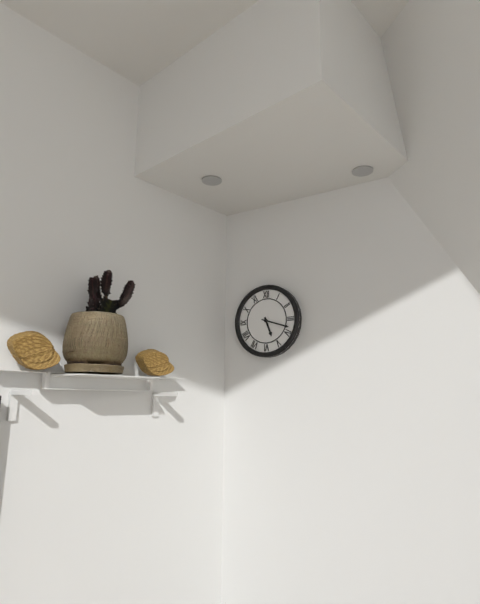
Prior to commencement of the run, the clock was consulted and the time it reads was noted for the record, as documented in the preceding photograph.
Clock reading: 5:18
